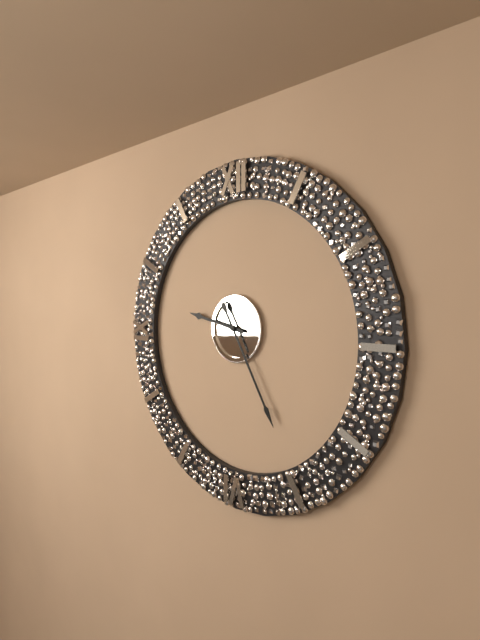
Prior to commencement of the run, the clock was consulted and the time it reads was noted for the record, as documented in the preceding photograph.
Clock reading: 9:25
